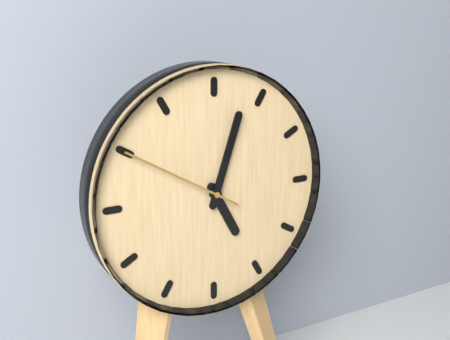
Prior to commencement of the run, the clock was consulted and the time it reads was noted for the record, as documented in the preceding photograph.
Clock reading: 5:03:50
